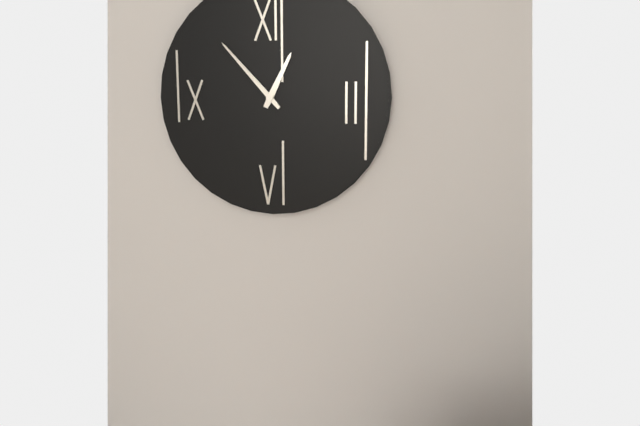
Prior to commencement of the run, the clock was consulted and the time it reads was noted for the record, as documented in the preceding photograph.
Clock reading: 12:53
